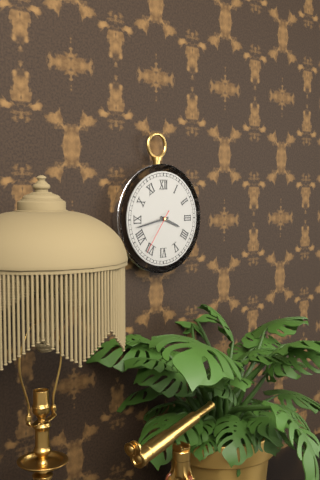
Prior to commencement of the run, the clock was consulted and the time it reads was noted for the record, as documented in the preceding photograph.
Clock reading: 3:43
